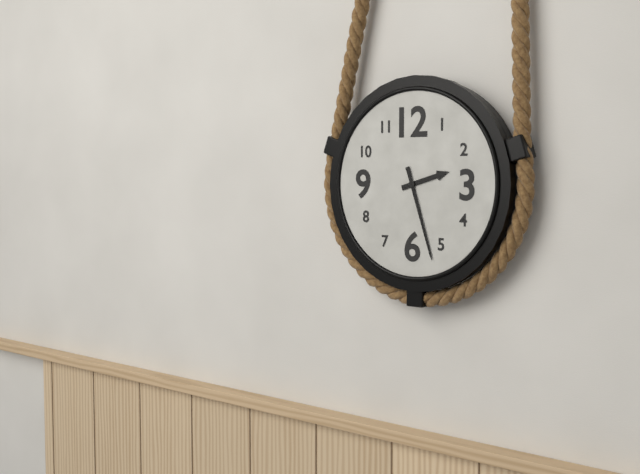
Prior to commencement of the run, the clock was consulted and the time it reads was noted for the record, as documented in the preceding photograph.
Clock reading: 2:27
